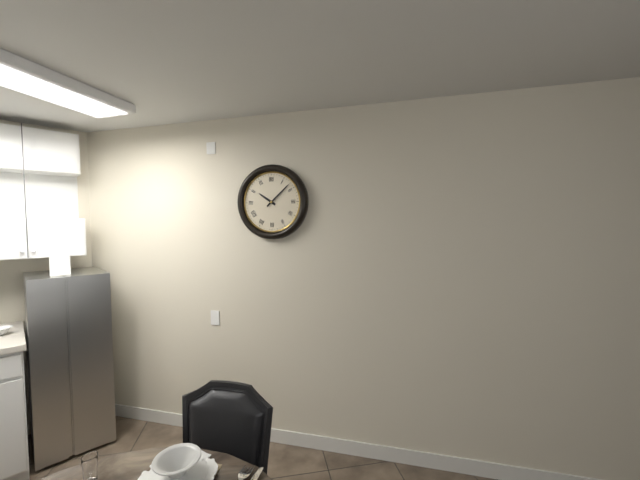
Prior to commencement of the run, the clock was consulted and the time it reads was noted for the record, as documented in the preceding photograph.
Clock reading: 10:08
